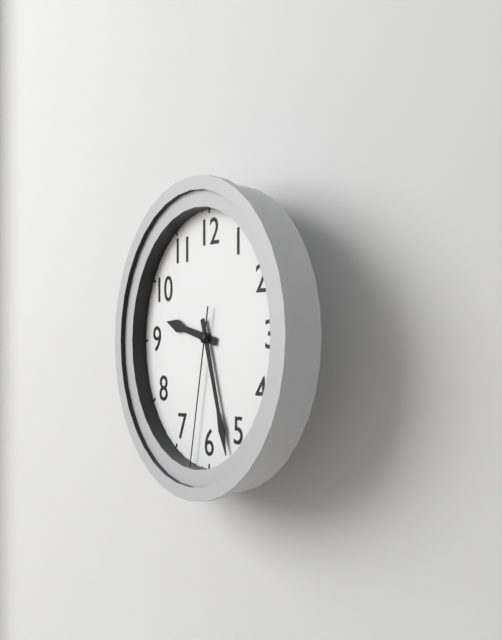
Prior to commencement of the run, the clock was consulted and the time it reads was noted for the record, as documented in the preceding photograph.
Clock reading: 9:27:32
